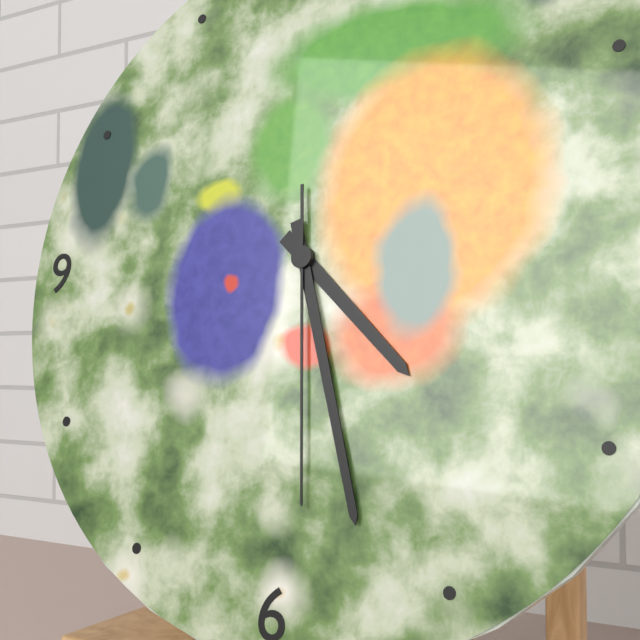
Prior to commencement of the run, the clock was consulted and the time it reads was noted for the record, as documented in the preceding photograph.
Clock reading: 4:27:29
